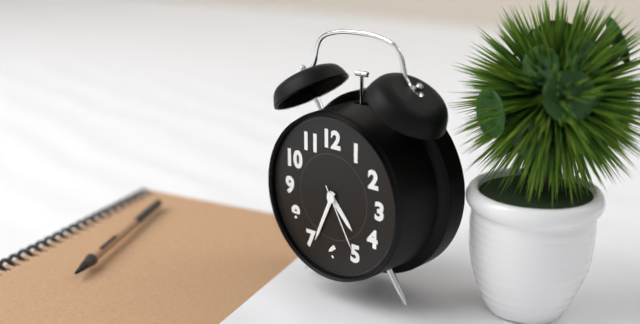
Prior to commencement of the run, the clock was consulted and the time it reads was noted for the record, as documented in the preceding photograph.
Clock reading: 4:34:25
